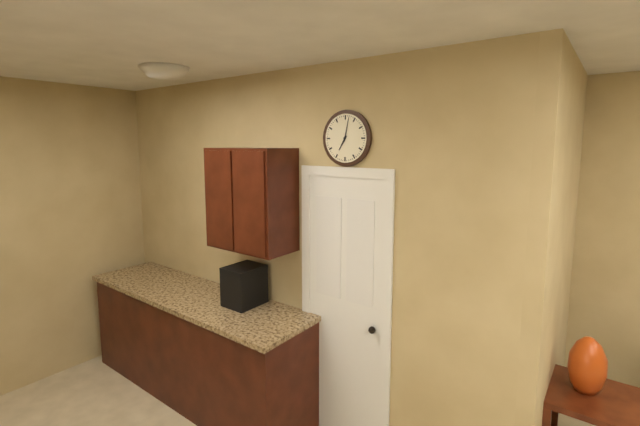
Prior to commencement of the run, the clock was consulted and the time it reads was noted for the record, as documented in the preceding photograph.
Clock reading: 7:02
